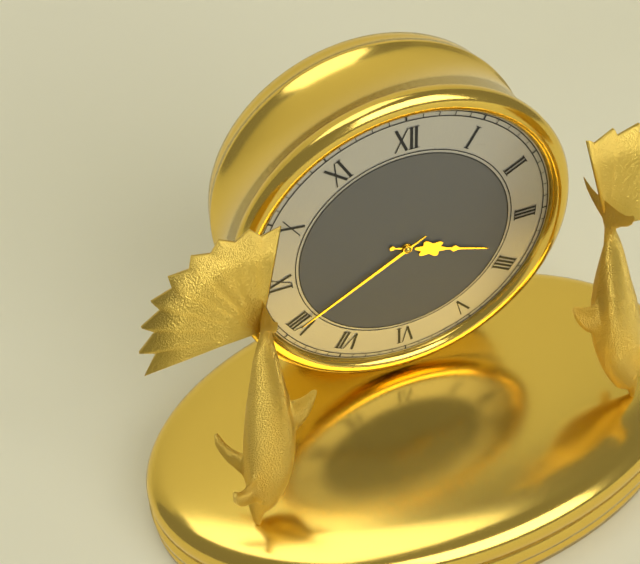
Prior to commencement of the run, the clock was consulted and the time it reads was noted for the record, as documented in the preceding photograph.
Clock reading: 3:40
